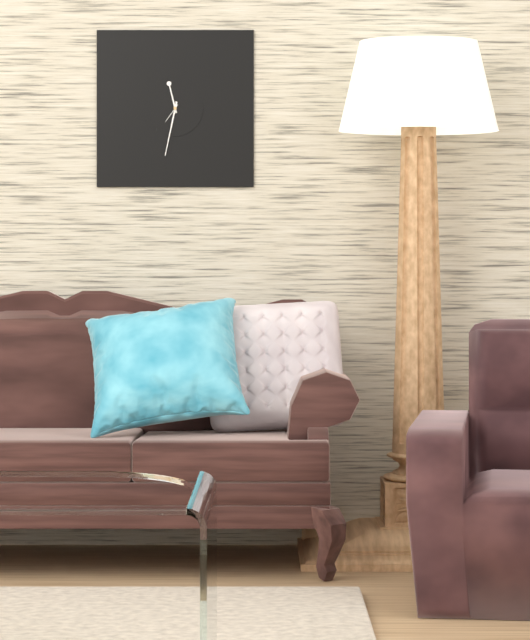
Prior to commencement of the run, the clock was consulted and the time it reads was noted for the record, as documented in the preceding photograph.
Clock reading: 11:32
